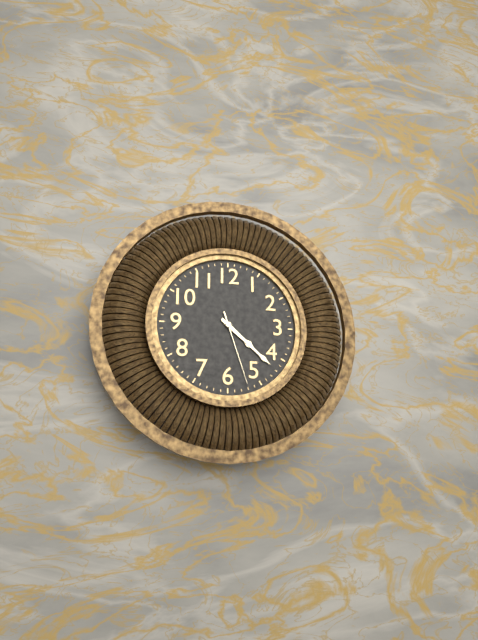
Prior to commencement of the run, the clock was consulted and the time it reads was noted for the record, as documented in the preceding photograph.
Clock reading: 4:22:27
